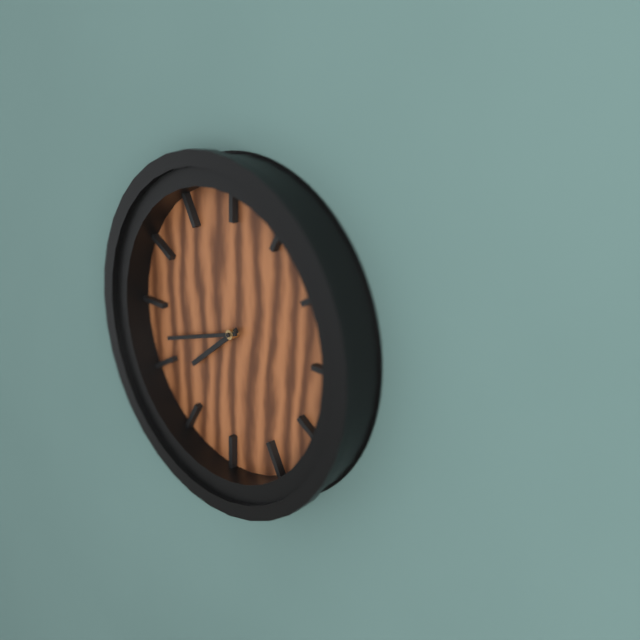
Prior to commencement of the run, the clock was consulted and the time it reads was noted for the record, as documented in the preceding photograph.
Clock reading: 7:42
